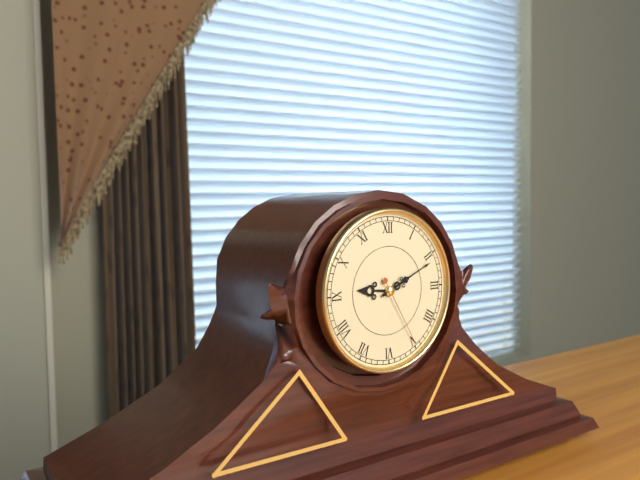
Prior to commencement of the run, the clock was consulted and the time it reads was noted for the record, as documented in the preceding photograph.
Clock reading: 9:11:25
